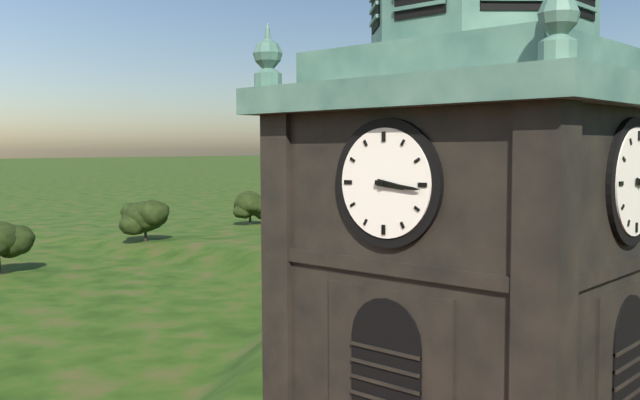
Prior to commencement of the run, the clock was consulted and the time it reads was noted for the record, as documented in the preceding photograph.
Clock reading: 3:16
